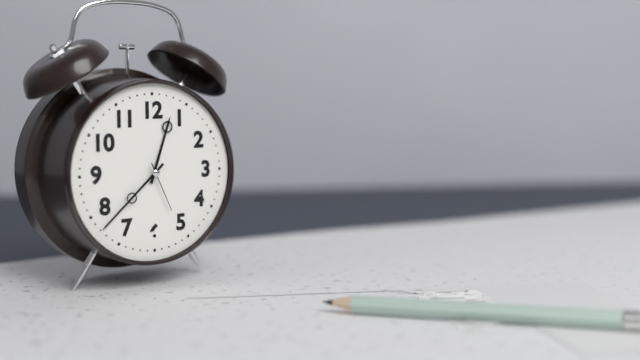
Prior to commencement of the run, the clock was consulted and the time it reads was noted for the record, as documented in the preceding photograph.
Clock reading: 12:38:26
